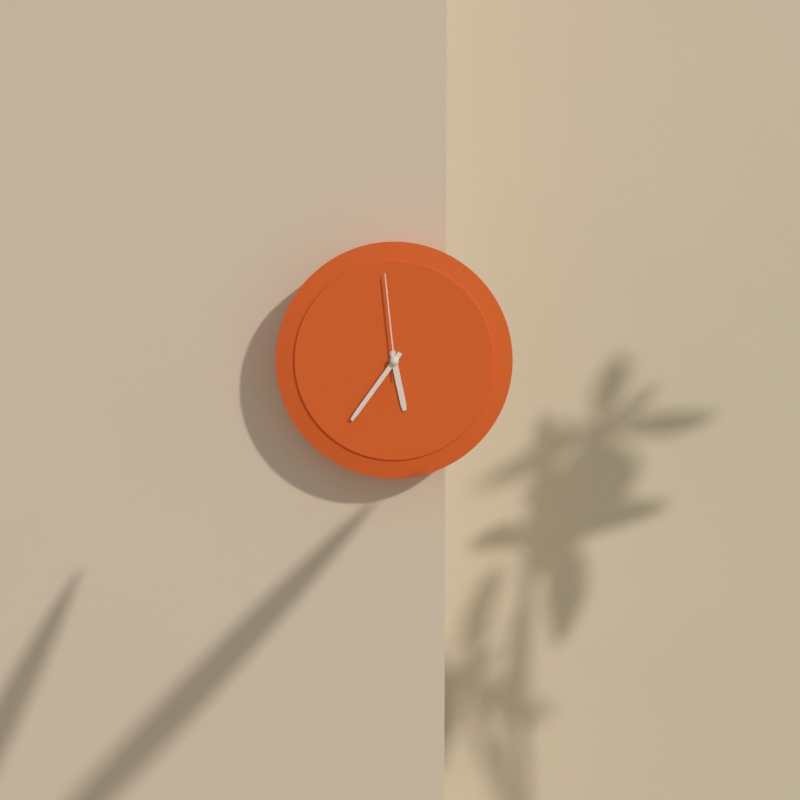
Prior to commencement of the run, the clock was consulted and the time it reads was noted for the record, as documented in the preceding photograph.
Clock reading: 5:36:59
